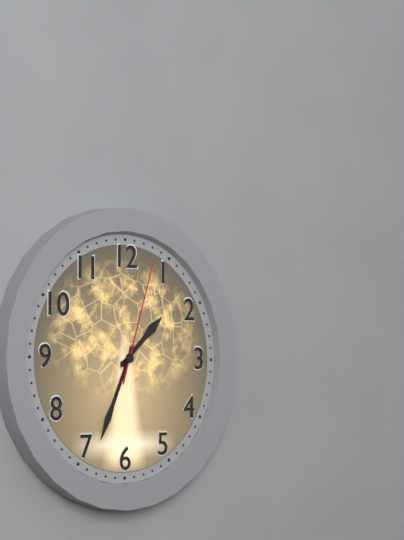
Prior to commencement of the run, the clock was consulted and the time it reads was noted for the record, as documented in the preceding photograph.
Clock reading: 1:34:03
